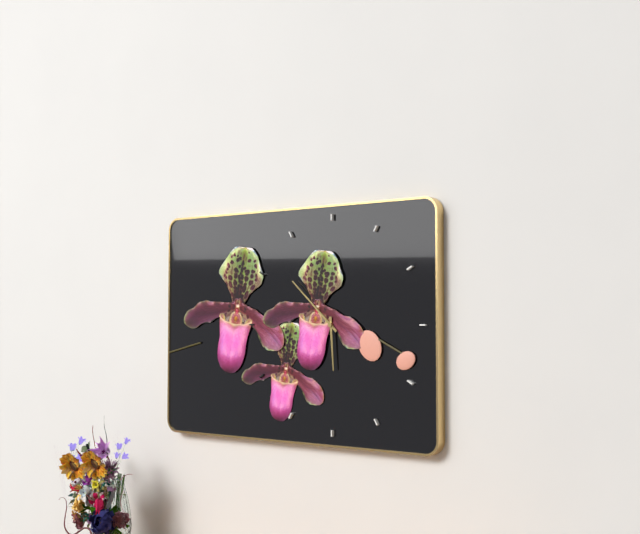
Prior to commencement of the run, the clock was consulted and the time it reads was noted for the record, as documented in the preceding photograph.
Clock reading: 5:52
